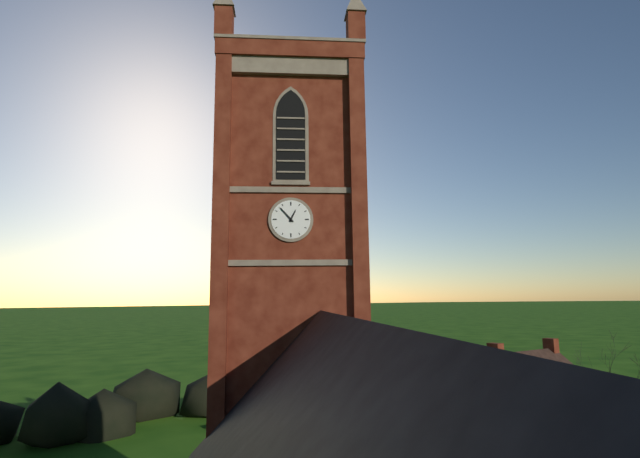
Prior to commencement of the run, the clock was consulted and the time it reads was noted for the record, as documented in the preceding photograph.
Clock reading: 12:53
